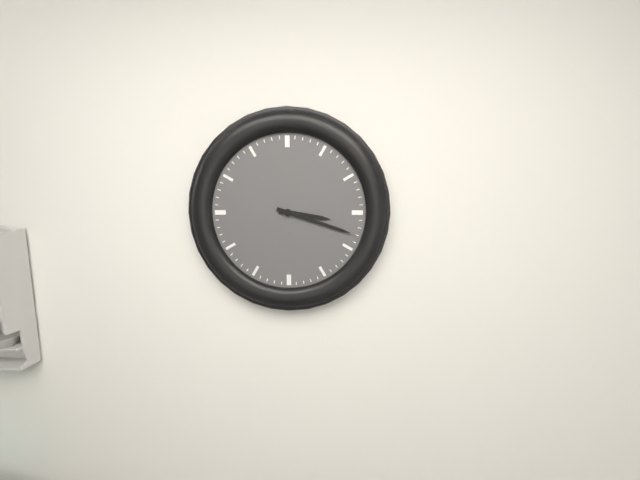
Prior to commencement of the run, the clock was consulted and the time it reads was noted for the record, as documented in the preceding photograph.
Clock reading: 3:18
